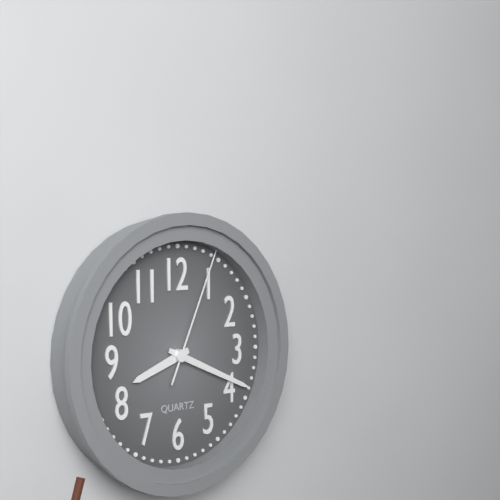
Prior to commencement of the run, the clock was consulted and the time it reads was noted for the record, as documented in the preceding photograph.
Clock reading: 8:19:04
